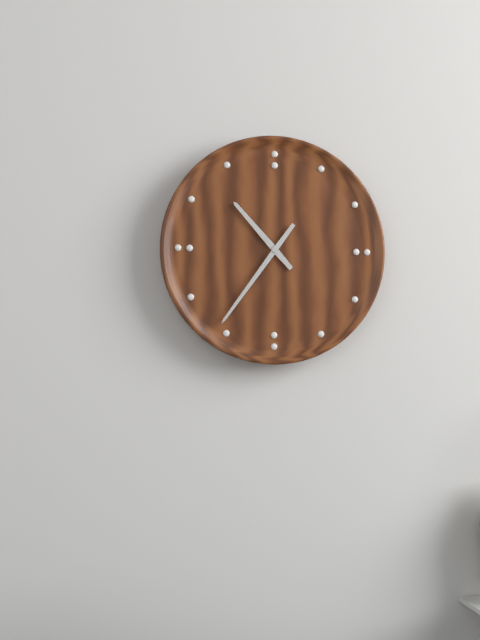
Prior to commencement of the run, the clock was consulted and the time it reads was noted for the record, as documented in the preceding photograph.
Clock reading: 10:36
